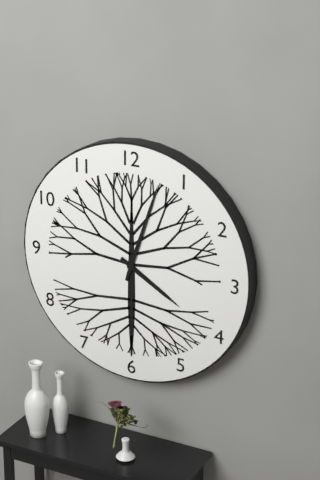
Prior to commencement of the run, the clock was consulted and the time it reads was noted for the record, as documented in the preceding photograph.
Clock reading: 4:03
